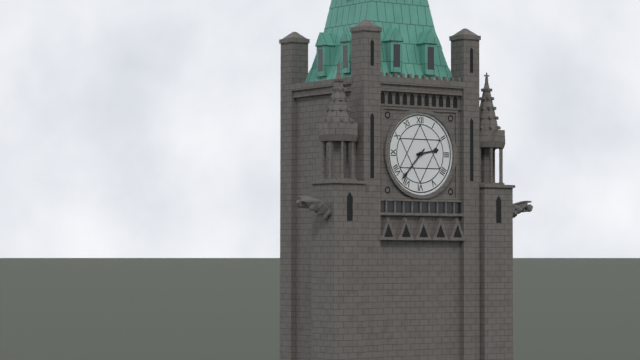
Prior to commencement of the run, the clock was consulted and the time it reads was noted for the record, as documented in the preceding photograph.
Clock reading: 2:37
